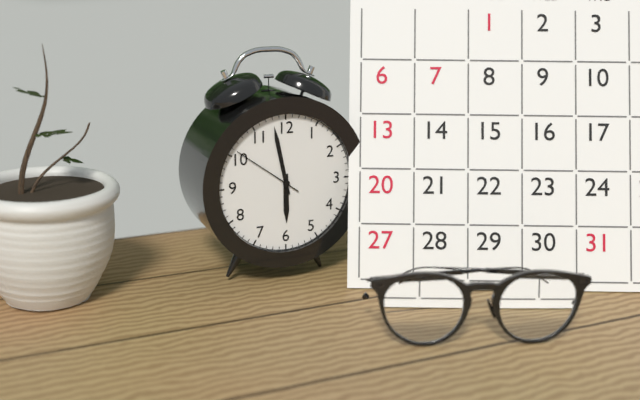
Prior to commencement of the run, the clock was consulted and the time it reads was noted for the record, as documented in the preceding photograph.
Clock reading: 5:58:51
